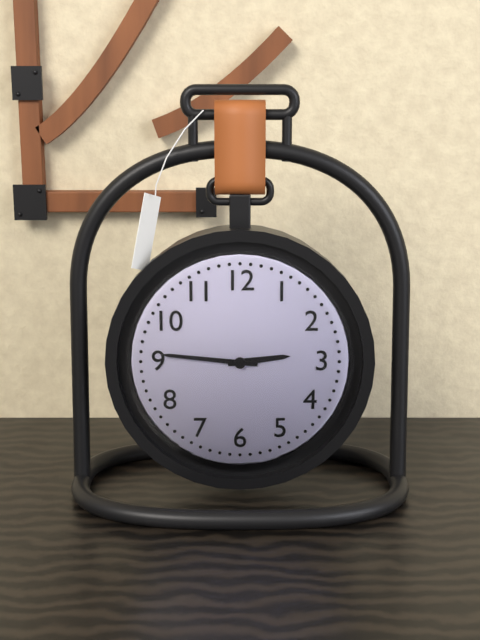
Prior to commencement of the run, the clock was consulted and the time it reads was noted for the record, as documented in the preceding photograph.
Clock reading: 2:46
